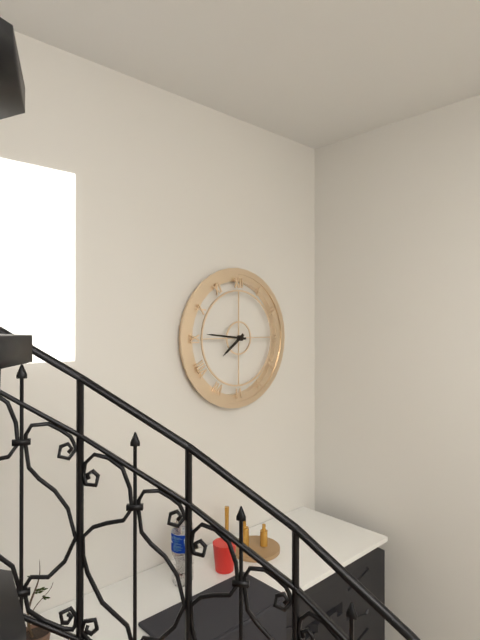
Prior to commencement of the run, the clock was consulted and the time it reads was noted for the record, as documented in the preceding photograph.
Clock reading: 7:46
